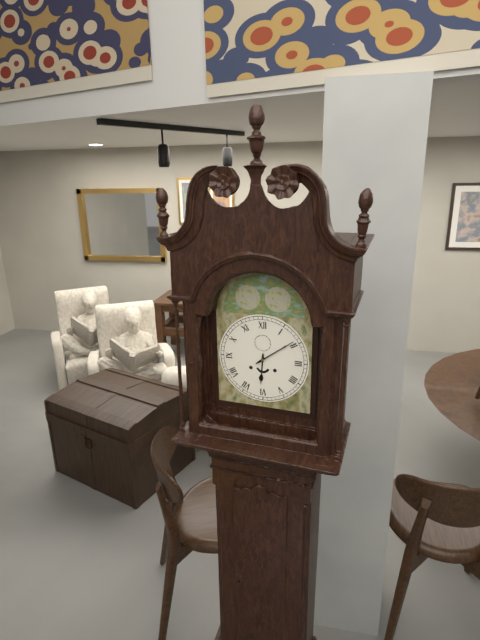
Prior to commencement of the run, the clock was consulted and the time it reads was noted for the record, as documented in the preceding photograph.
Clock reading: 6:09
